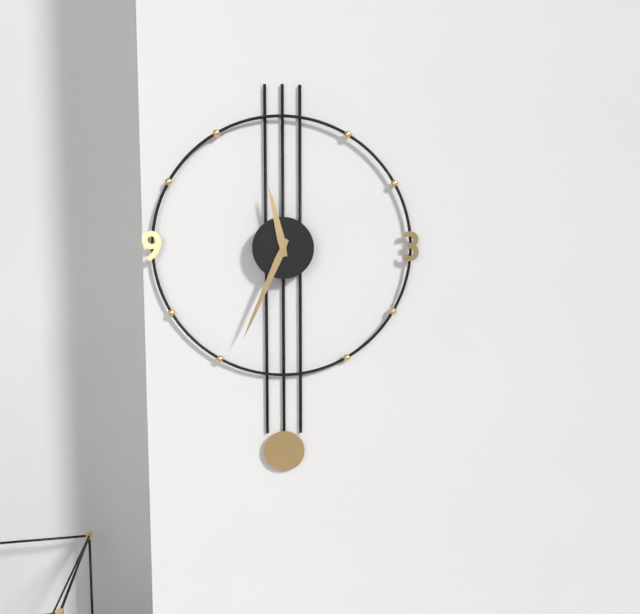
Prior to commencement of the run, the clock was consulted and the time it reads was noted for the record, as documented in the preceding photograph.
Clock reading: 11:34
